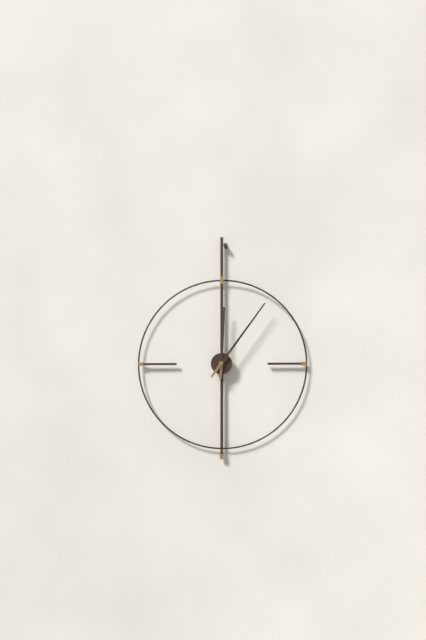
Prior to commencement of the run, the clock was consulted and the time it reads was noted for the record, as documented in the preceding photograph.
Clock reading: 12:06
